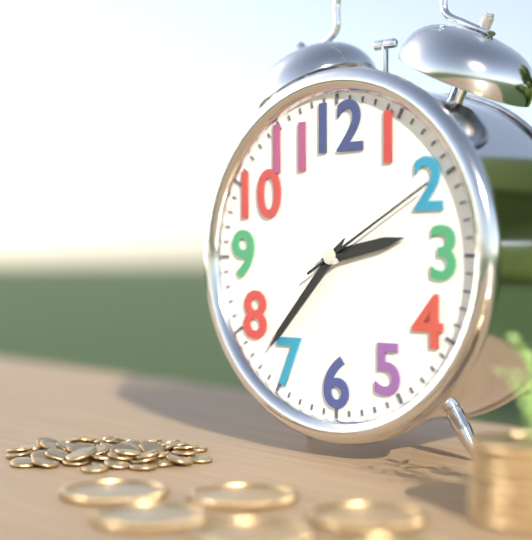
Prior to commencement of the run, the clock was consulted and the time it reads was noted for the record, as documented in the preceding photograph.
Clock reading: 2:37:10
